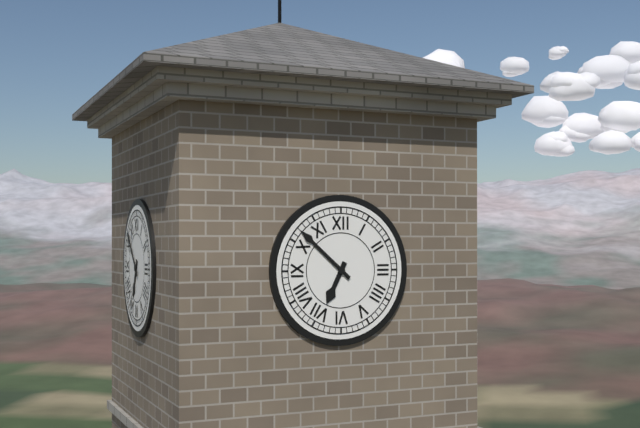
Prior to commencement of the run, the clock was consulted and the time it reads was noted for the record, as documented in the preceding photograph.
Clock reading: 6:52
